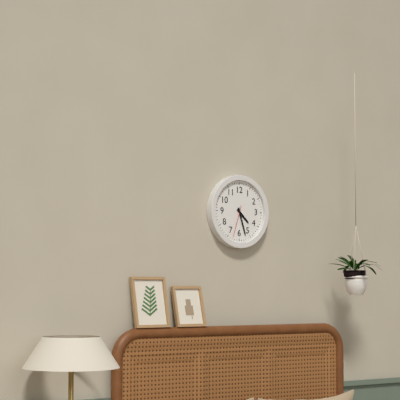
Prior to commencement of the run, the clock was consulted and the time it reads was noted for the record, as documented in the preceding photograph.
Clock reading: 4:27
